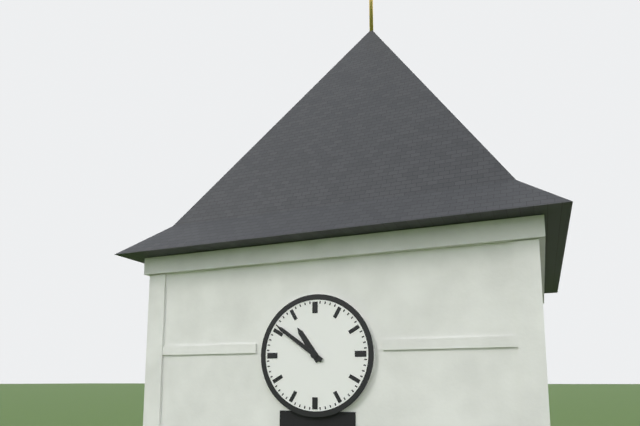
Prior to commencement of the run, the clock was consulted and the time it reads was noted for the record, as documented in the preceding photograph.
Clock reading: 10:51
